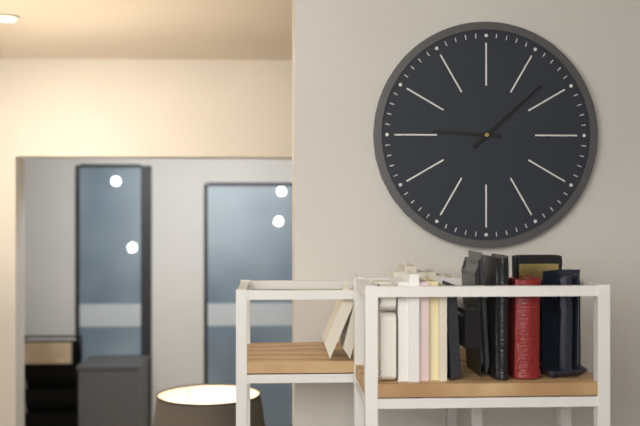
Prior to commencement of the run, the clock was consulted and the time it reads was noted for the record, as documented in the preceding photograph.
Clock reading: 9:08
